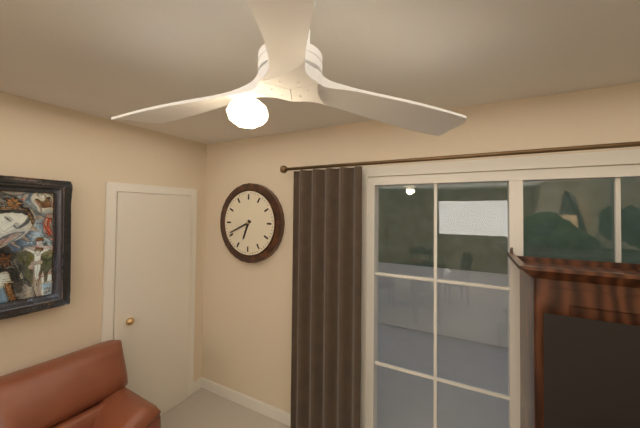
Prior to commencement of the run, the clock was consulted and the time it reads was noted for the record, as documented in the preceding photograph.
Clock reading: 6:41
